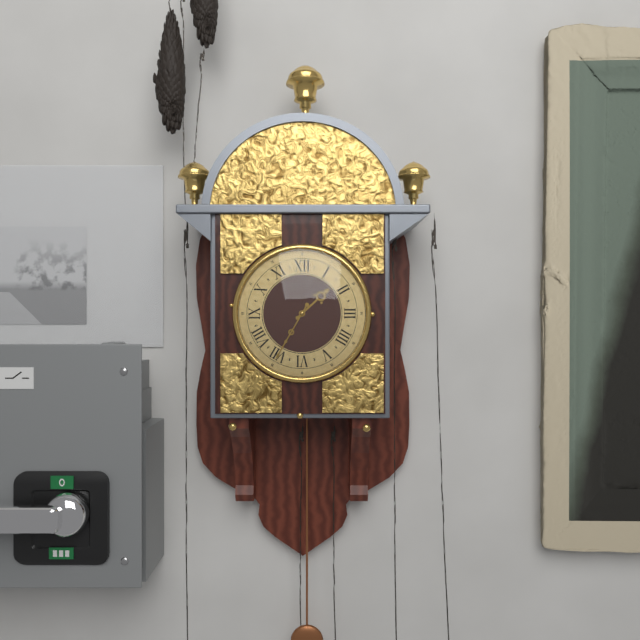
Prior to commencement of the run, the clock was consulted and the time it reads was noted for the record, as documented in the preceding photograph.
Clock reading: 1:35
